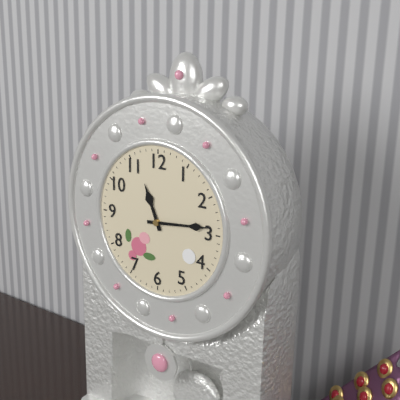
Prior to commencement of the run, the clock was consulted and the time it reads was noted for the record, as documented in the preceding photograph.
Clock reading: 11:14
